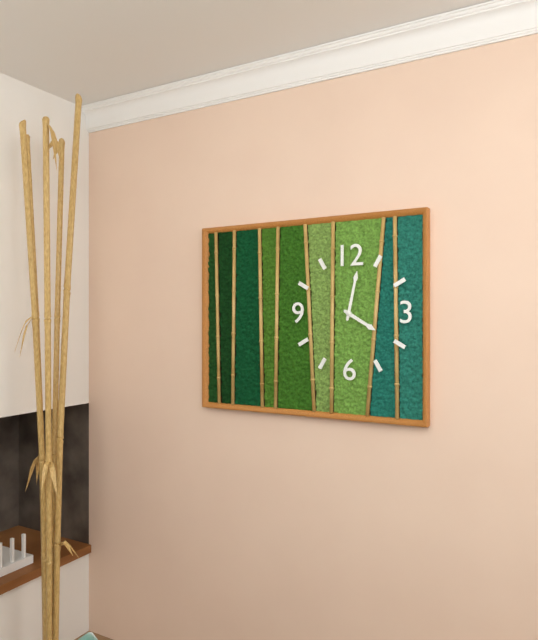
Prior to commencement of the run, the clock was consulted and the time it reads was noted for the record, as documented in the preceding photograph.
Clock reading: 4:02
